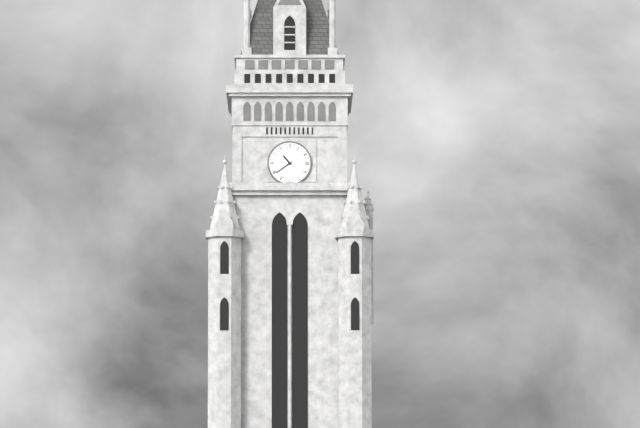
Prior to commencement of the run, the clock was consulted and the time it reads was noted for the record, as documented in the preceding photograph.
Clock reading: 10:39
